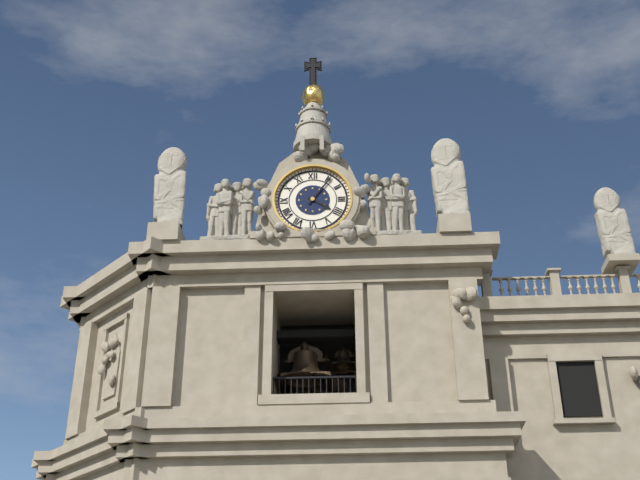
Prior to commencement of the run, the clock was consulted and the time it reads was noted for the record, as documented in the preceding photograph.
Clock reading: 4:06
